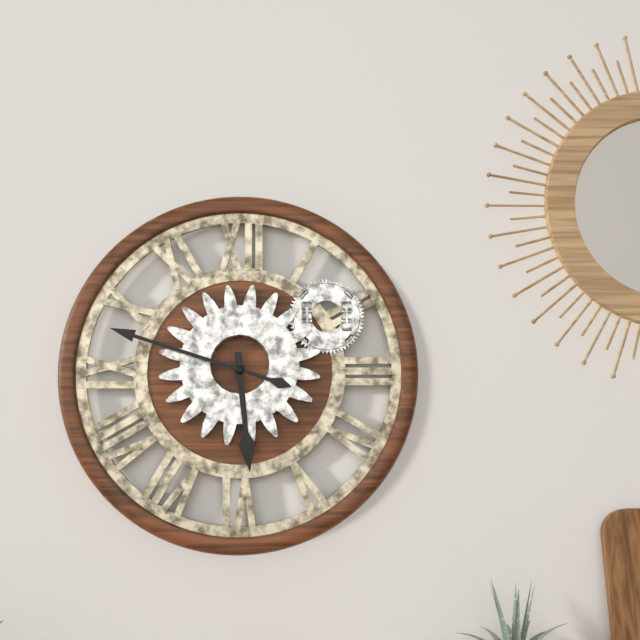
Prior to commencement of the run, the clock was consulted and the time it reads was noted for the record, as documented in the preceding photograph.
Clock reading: 5:48
